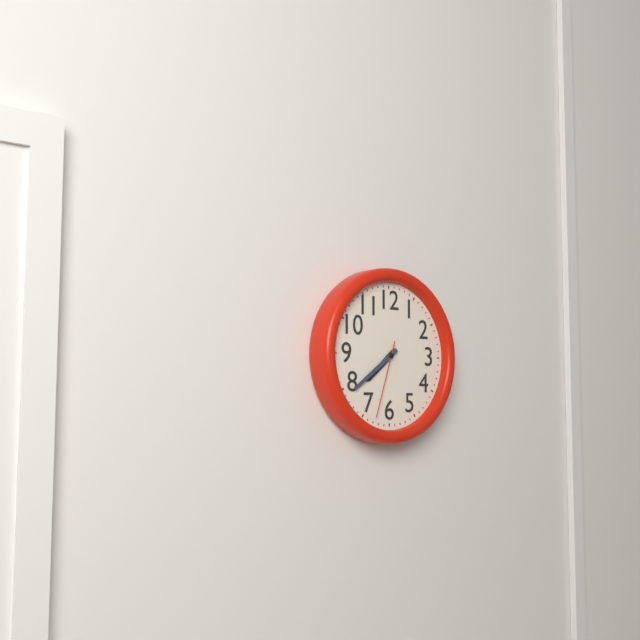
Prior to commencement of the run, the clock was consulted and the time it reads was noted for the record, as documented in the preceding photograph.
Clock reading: 7:39:33
